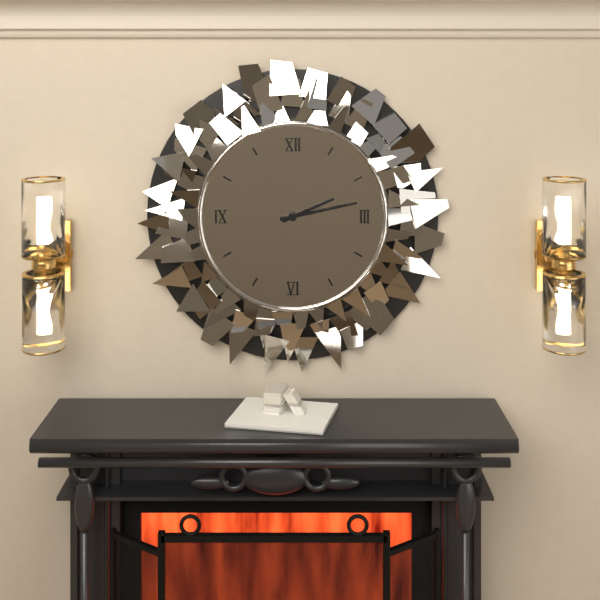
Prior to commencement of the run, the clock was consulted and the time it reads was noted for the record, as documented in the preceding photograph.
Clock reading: 2:13
